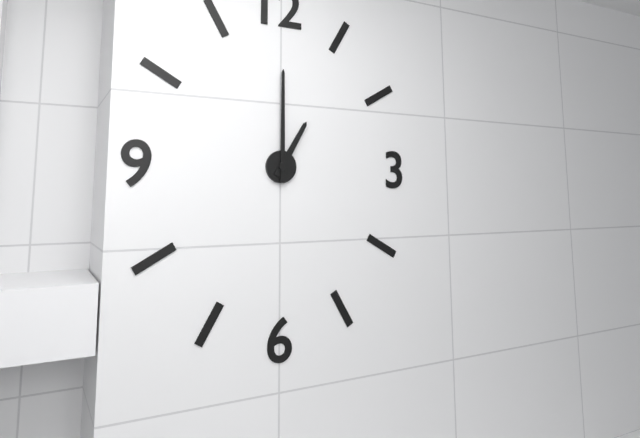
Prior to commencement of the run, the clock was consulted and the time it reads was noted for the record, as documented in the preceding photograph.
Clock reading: 1:00
